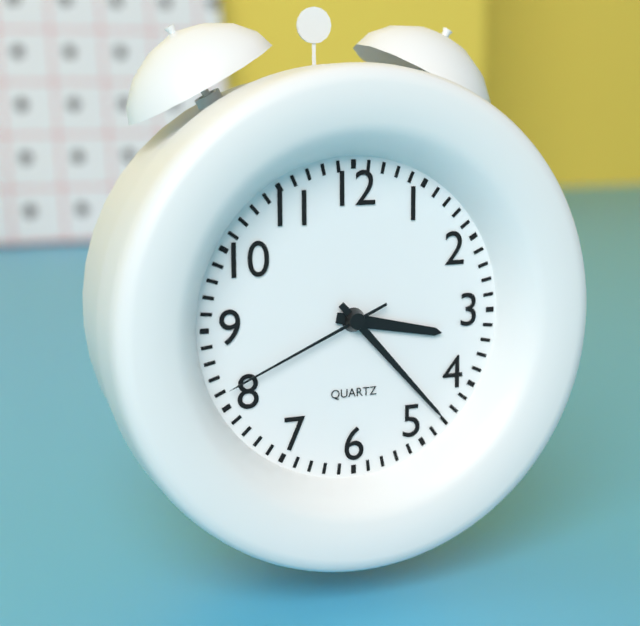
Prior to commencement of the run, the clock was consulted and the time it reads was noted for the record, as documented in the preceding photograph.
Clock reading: 3:23:41
